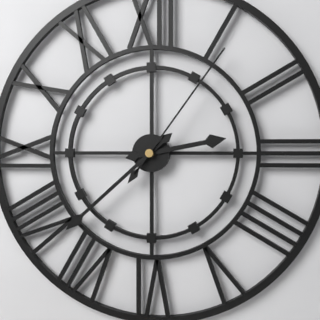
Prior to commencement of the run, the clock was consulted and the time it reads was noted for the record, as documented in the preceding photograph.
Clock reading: 2:38:06
